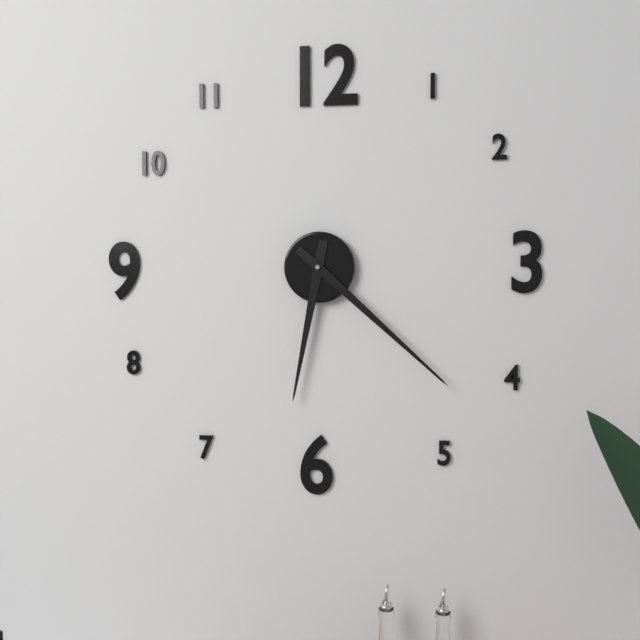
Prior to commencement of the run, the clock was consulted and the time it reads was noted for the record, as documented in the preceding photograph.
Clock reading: 6:22
